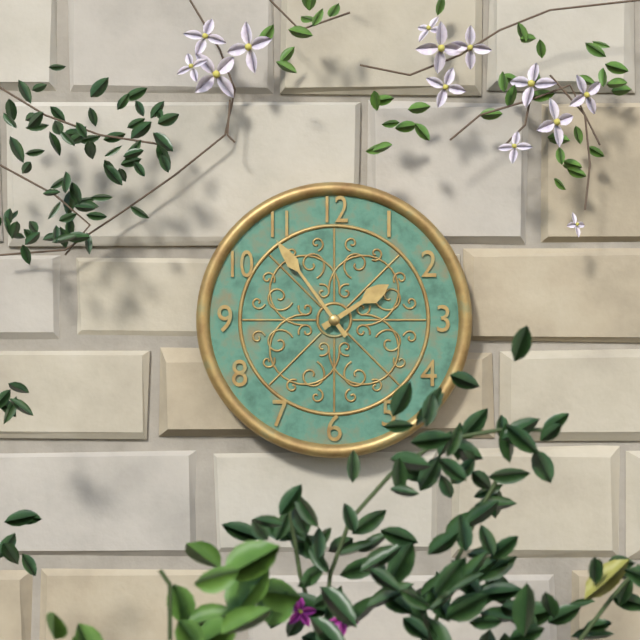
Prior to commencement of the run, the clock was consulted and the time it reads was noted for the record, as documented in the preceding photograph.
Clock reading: 1:54
